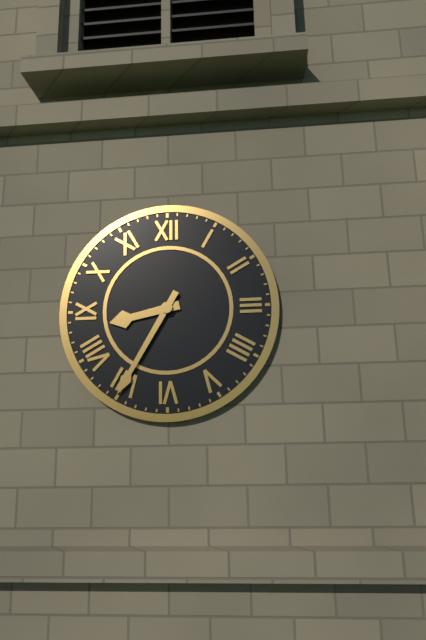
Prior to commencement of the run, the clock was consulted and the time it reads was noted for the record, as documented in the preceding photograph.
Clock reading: 8:35
